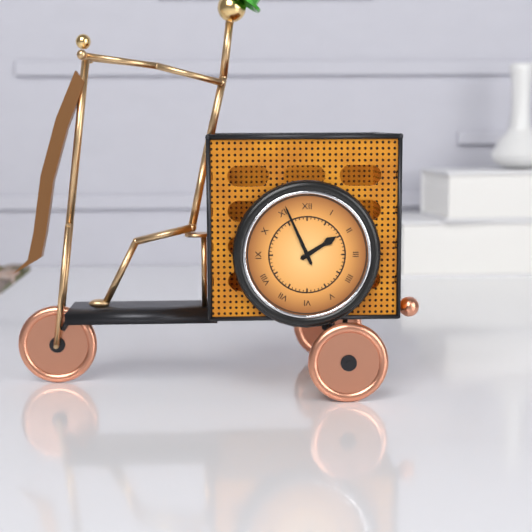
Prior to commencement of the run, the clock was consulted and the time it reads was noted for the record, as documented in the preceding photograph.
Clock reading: 1:56
